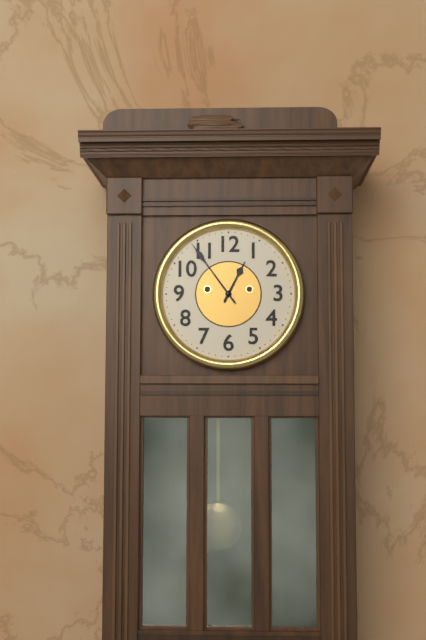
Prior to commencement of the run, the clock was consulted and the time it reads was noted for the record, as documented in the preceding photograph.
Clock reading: 12:54
